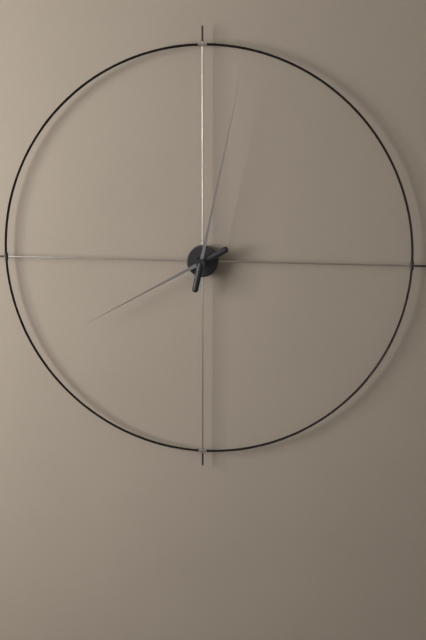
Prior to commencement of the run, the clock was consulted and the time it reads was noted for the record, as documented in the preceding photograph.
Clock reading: 8:02
